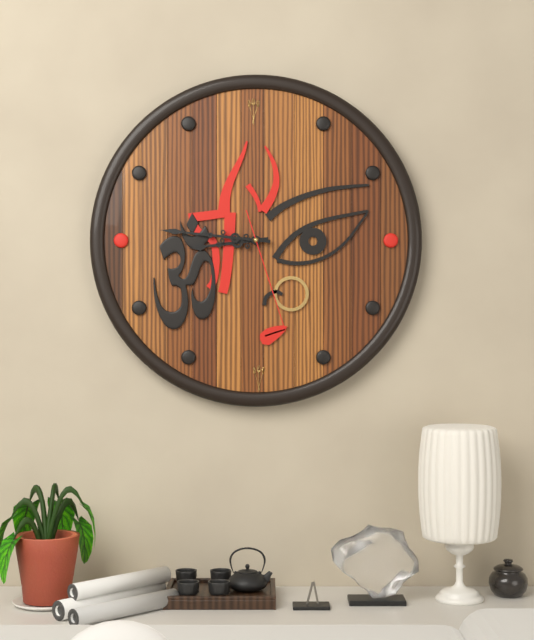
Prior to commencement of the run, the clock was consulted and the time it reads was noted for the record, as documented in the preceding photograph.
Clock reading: 8:46:27
